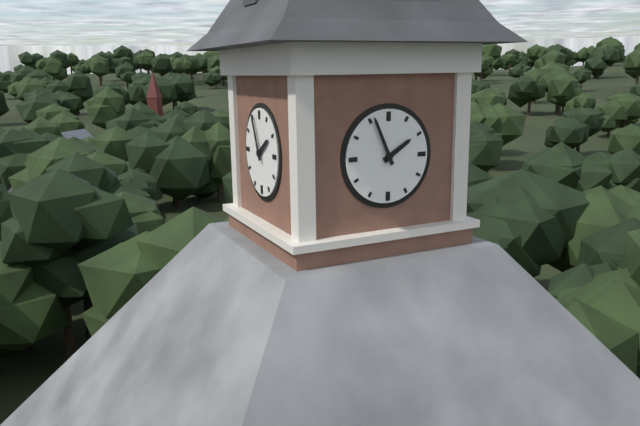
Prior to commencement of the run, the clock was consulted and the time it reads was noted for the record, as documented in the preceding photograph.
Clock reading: 1:56
